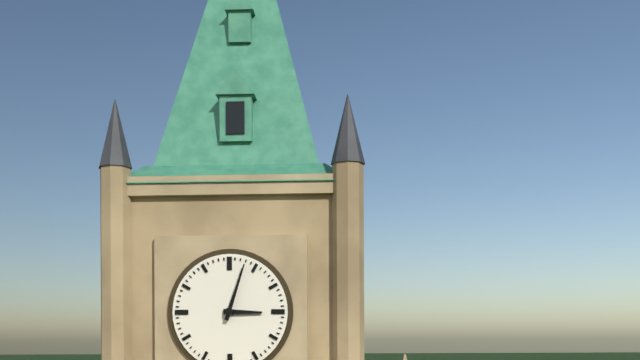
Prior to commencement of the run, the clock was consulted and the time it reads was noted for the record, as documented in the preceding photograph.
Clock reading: 3:03
